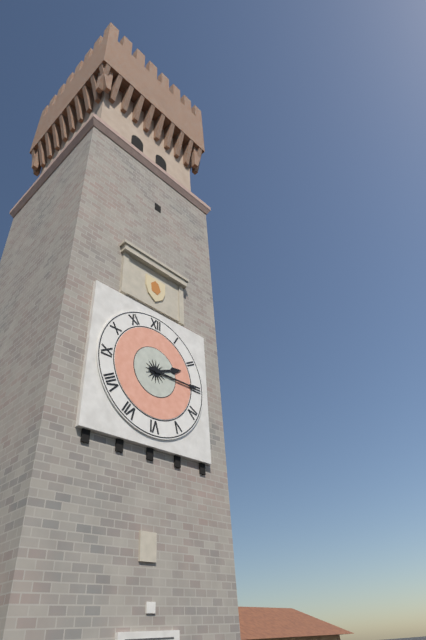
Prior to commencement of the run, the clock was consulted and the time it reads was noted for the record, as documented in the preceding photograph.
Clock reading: 2:15
